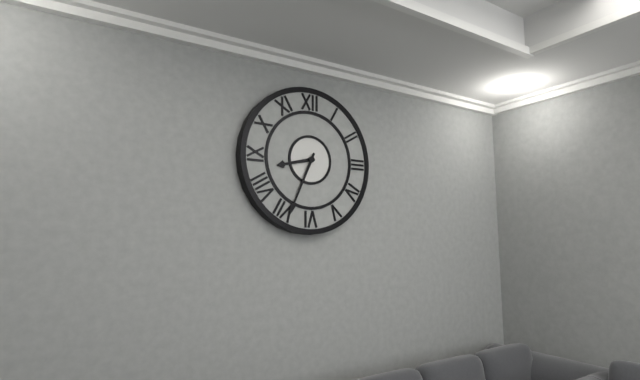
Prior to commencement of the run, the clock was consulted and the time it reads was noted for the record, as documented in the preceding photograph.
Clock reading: 8:34
